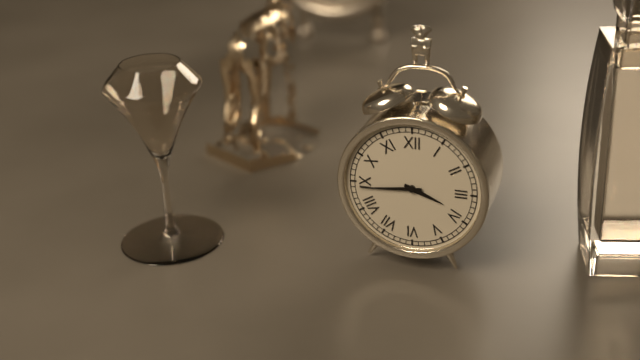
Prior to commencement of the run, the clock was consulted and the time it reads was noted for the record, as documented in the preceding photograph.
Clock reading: 3:44
